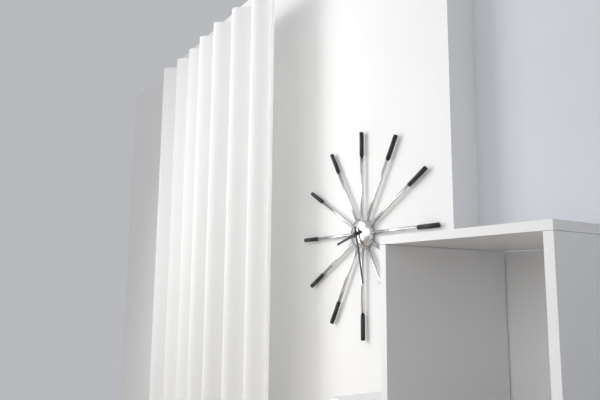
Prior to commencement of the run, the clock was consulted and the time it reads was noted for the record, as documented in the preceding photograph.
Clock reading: 8:28
